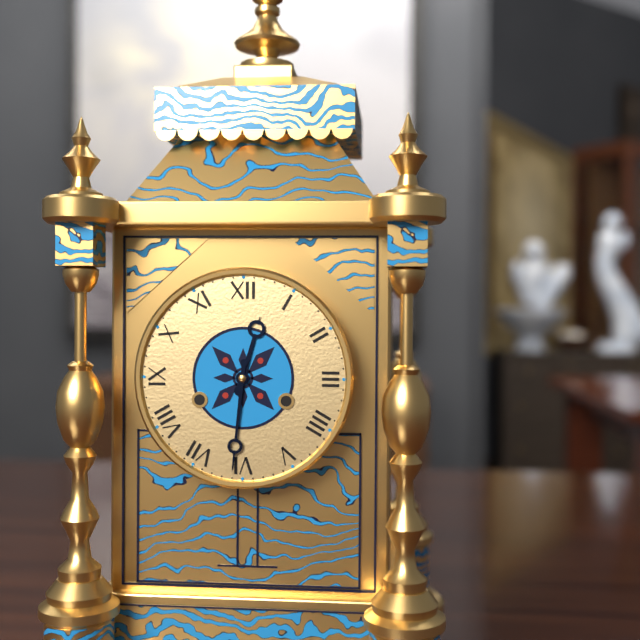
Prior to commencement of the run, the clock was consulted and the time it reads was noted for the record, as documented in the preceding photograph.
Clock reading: 12:31
